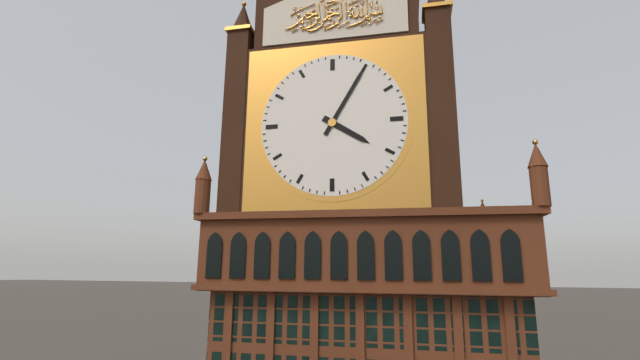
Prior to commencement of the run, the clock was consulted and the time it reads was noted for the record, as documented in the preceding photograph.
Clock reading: 4:05
